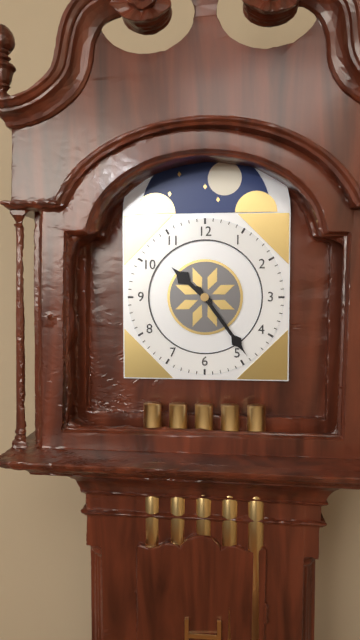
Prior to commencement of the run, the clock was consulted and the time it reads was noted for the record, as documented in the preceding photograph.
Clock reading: 10:24
